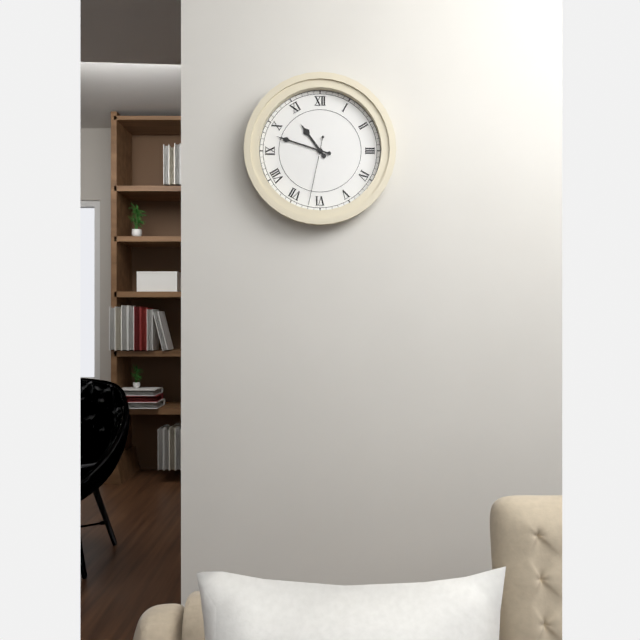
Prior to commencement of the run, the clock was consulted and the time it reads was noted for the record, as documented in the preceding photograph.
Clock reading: 10:48:32
